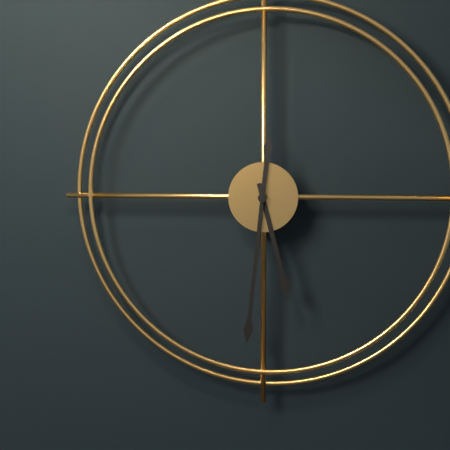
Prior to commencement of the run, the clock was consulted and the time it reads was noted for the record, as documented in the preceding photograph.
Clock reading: 5:31
